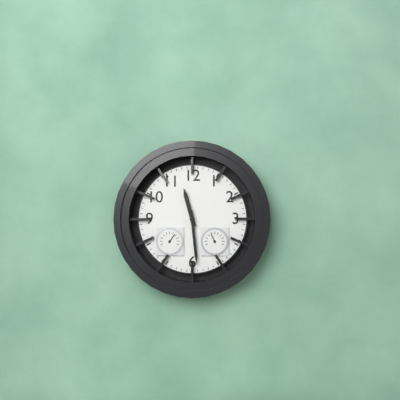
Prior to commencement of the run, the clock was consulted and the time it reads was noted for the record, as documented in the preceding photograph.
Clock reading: 11:29
